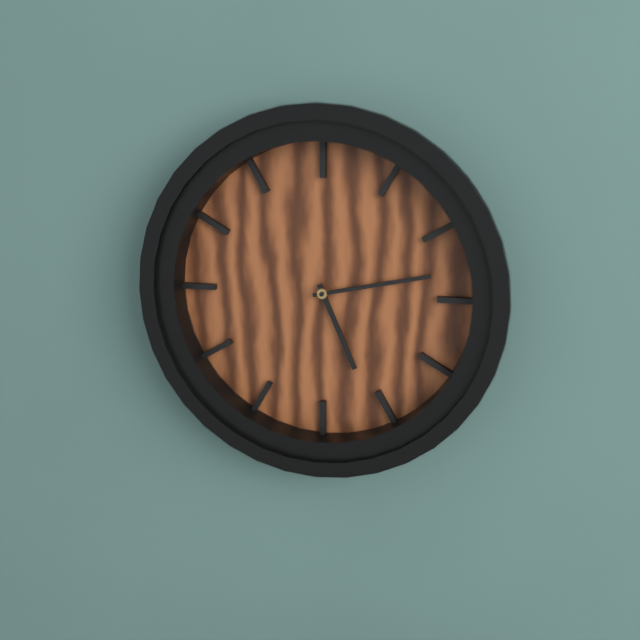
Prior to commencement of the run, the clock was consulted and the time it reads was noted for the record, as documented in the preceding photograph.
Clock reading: 5:13
